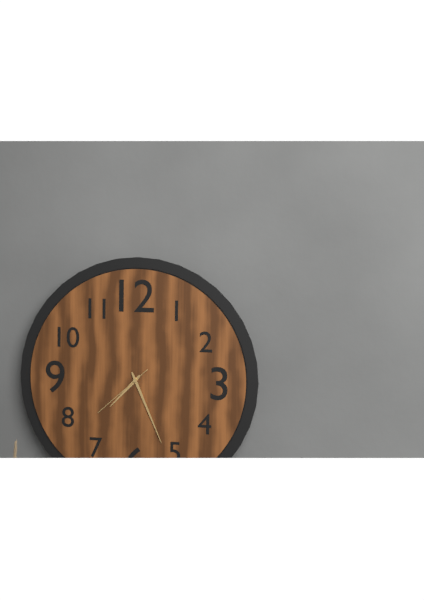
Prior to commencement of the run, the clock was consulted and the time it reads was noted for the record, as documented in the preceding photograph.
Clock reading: 7:26:38
